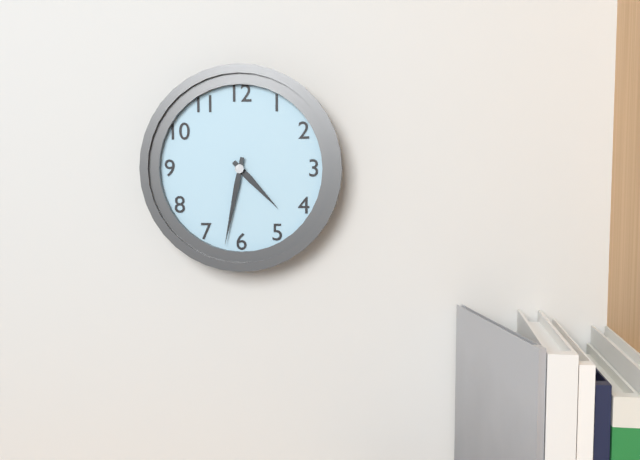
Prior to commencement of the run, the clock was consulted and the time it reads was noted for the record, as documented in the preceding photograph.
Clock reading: 4:32
